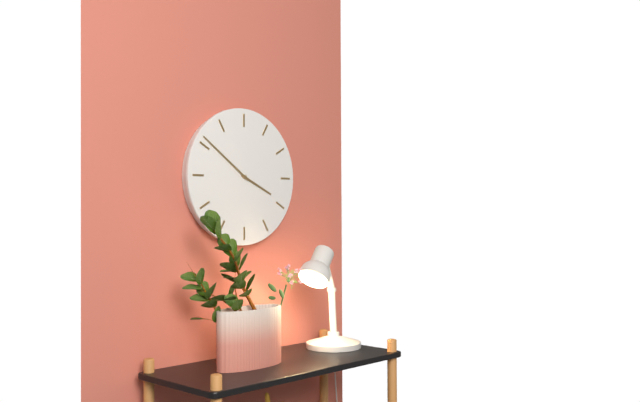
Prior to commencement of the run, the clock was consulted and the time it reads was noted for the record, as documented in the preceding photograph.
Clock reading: 3:51
